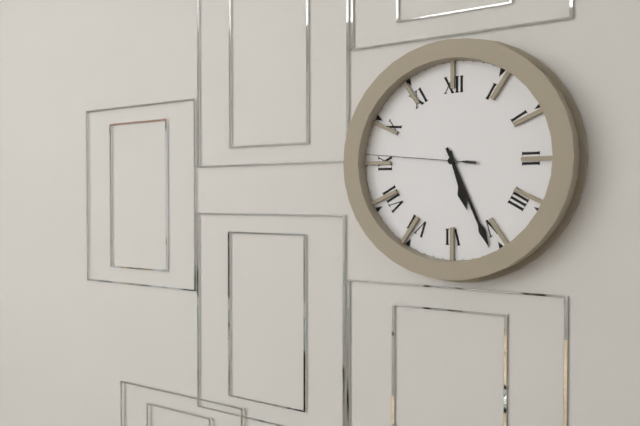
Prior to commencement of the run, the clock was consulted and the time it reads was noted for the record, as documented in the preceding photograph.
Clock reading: 5:26:46
